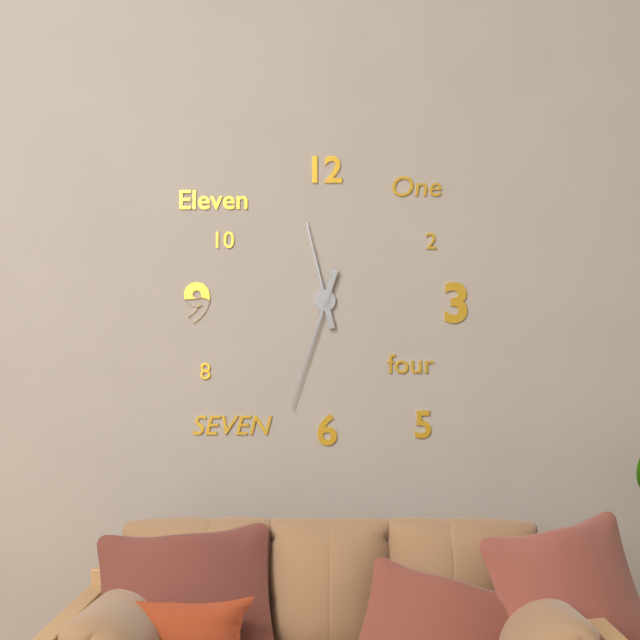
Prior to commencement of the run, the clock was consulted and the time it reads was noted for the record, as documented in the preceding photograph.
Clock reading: 11:33
